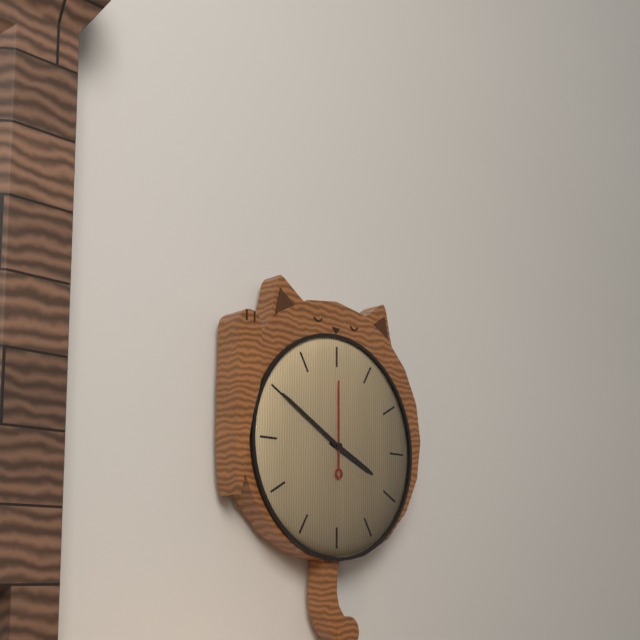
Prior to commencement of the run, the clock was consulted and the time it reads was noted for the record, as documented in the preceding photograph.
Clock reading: 3:50:00
